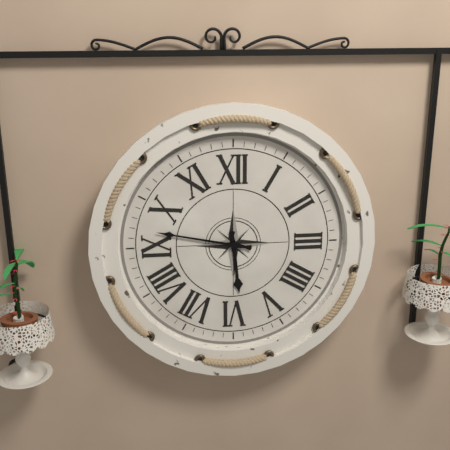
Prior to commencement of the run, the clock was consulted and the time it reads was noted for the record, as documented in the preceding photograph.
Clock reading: 5:47
